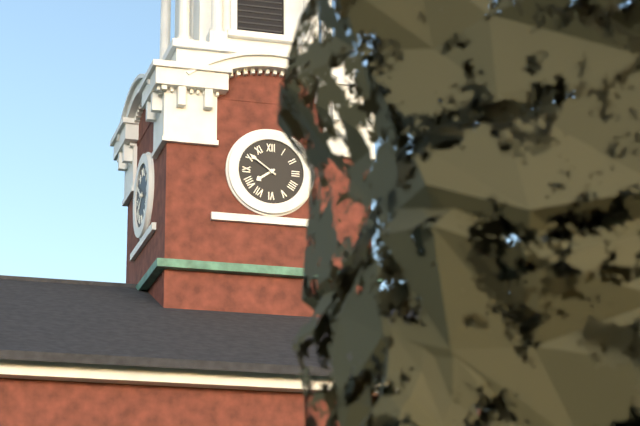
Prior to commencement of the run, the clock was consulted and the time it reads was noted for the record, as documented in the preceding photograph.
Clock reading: 7:51
